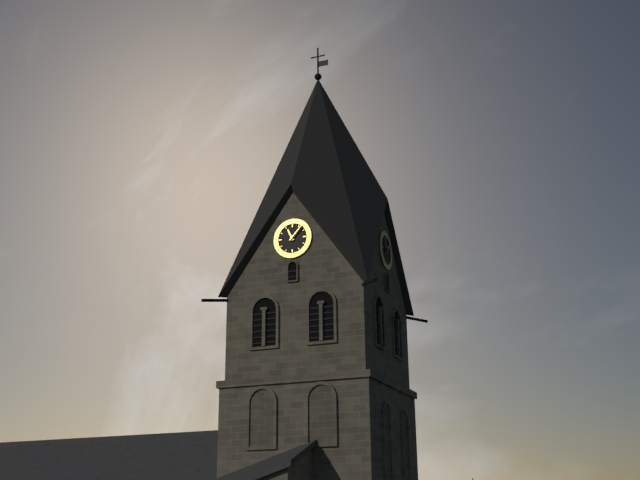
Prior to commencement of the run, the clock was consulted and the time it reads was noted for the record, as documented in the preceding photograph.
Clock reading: 11:07
